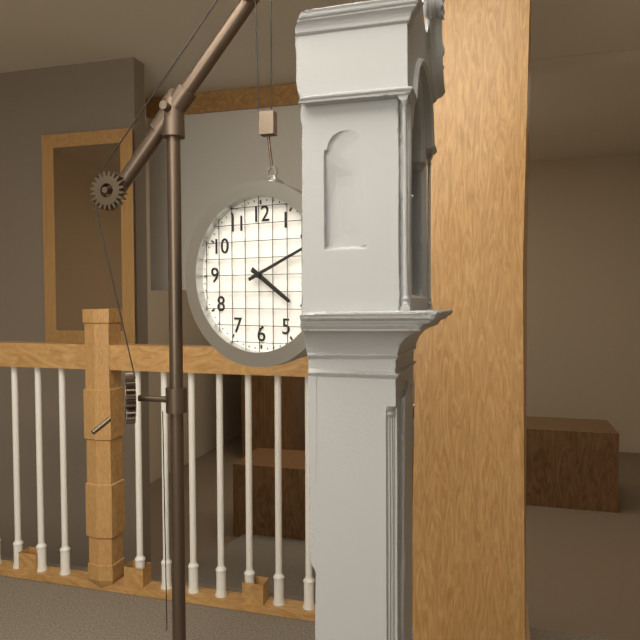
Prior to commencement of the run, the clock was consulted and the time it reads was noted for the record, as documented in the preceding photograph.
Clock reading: 4:11
